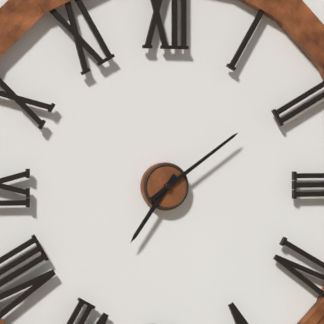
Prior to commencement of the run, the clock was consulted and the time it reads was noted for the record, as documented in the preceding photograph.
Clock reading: 7:09
